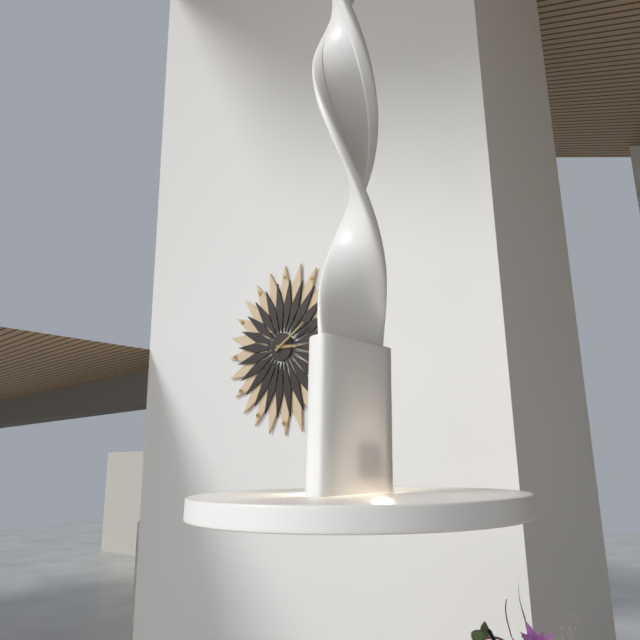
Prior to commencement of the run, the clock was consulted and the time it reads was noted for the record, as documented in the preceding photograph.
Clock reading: 3:10
